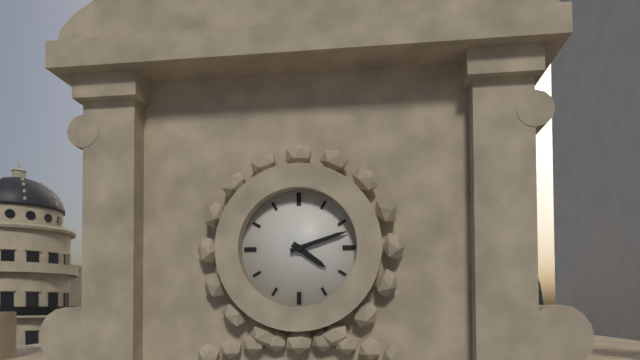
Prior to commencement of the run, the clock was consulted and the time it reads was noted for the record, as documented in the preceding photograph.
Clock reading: 4:12
